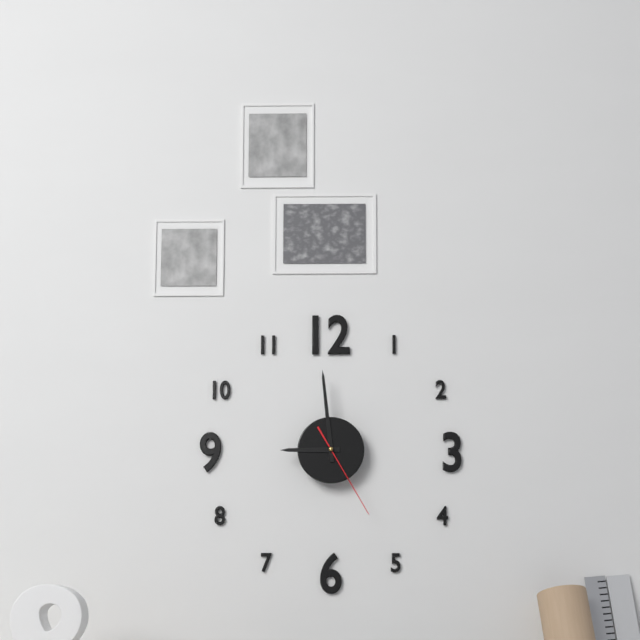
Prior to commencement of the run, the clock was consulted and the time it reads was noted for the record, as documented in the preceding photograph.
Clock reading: 8:59:25
